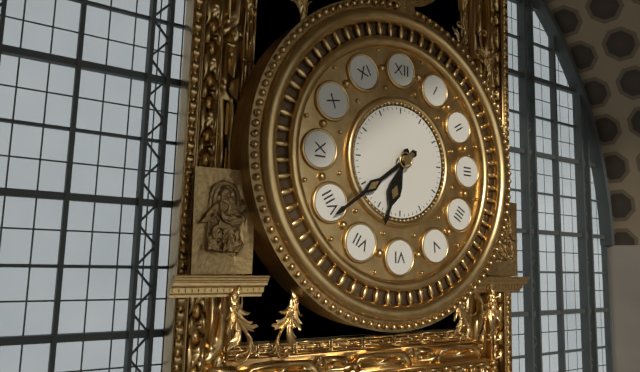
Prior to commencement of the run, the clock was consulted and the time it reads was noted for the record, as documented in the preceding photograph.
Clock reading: 6:39
